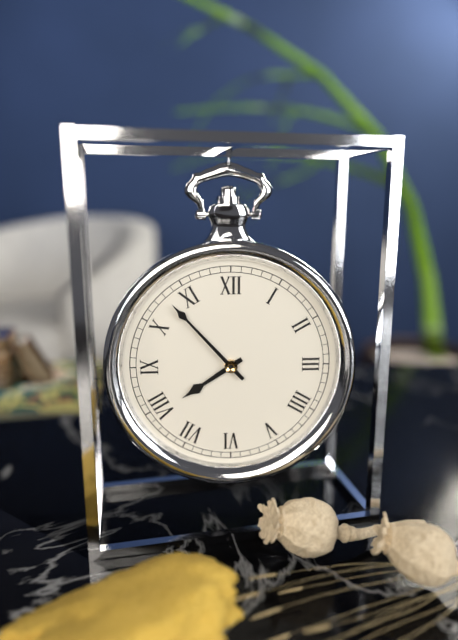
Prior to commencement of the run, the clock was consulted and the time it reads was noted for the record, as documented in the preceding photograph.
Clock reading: 7:53
